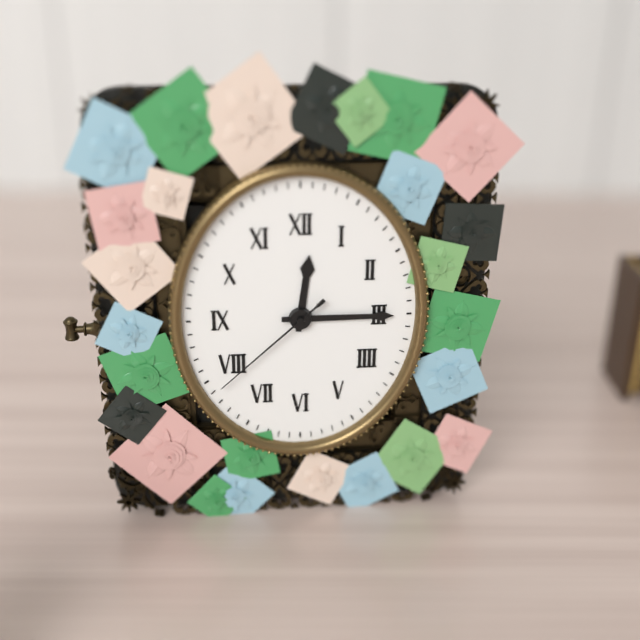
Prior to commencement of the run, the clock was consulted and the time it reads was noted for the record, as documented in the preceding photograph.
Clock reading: 12:15:38
